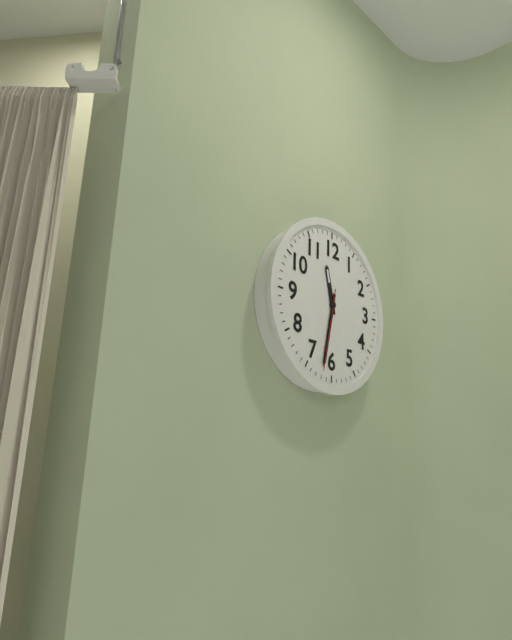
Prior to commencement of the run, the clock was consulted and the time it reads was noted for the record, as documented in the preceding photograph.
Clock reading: 11:32:32
